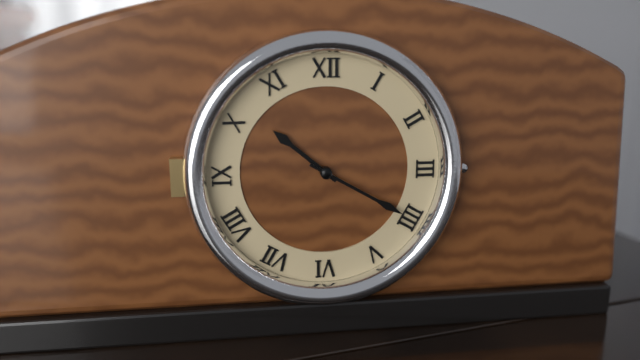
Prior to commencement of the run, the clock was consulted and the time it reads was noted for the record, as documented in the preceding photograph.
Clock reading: 10:20
